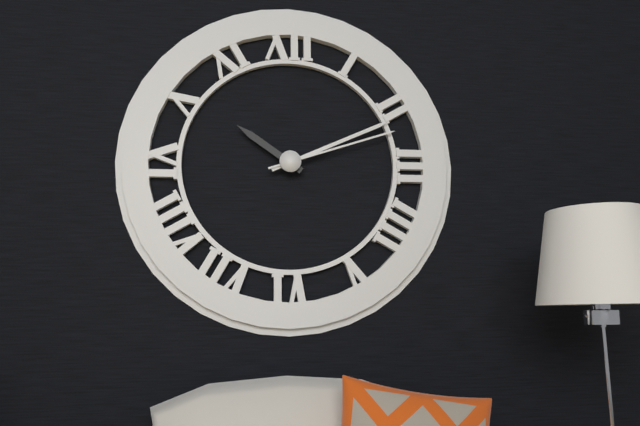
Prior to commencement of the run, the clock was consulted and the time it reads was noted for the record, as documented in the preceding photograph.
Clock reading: 10:11:12
